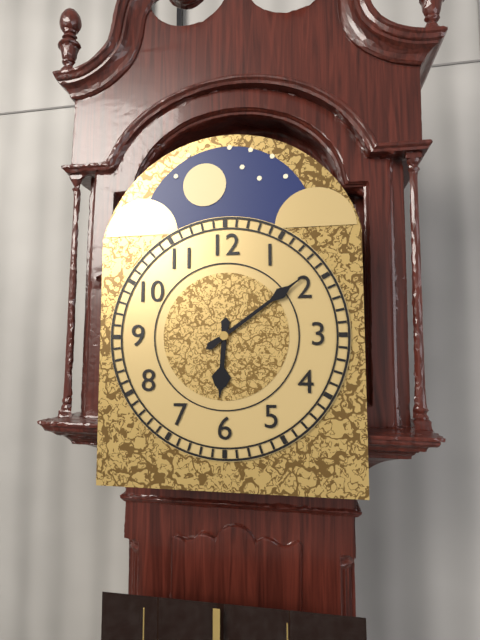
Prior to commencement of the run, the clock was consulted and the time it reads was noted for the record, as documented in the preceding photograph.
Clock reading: 6:09
